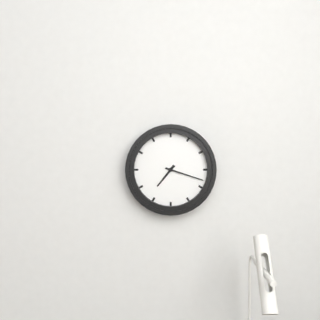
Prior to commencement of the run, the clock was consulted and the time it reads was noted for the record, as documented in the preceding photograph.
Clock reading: 7:18
